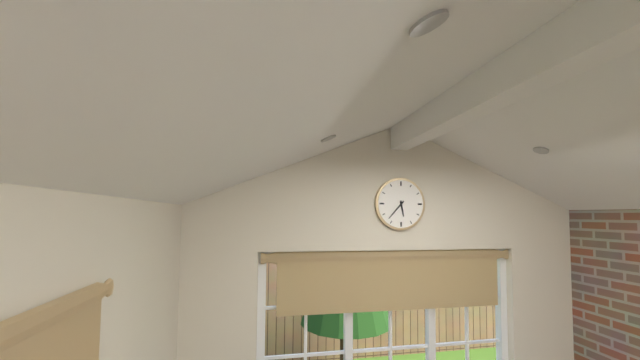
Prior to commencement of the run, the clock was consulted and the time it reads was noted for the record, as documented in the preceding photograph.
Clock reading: 5:37
